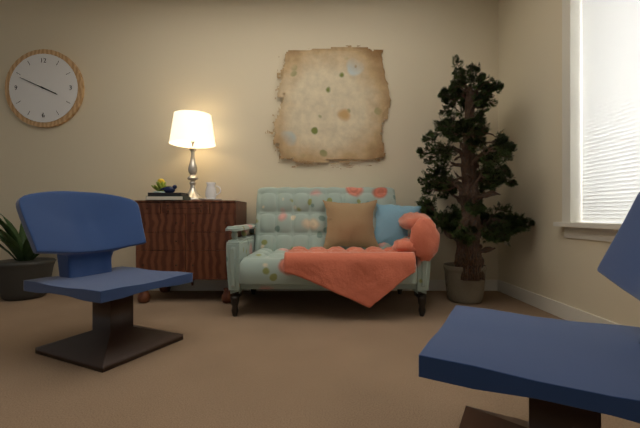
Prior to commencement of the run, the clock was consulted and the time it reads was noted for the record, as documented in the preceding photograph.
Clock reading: 3:49
